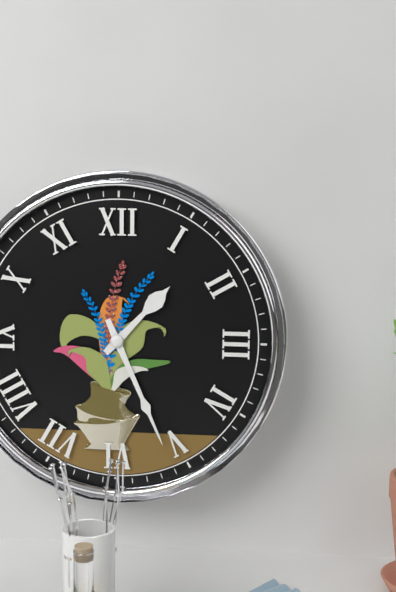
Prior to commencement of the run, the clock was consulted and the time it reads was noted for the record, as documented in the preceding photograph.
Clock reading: 1:26
